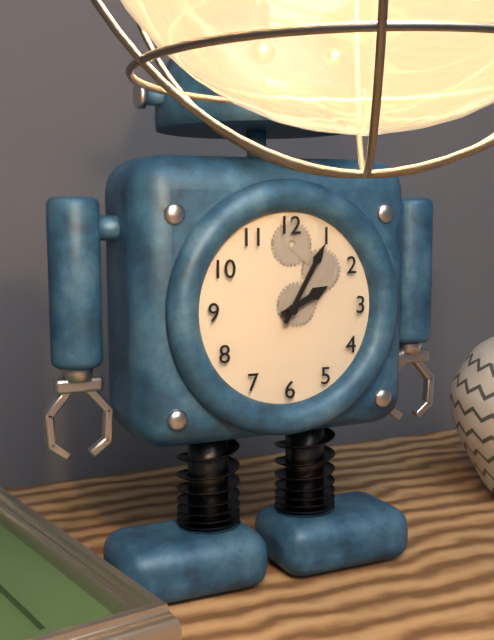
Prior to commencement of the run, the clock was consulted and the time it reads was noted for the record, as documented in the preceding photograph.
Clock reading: 2:05
